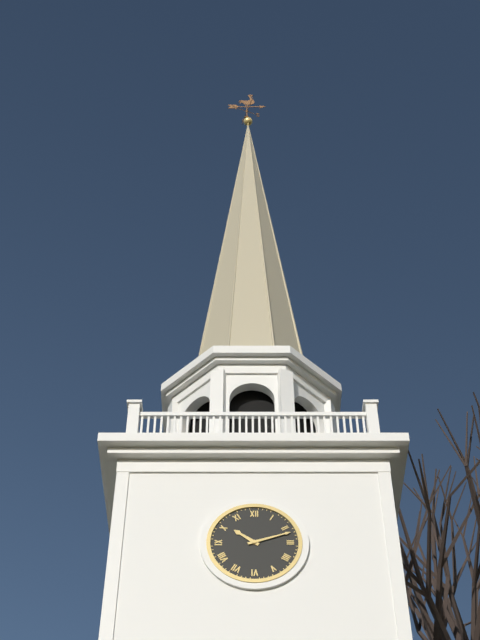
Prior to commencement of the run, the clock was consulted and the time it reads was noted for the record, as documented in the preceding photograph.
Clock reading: 10:12
